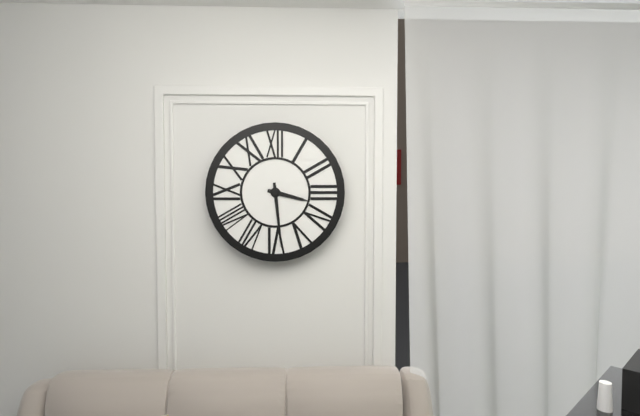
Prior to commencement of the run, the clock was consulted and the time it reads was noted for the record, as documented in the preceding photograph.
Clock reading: 3:29
